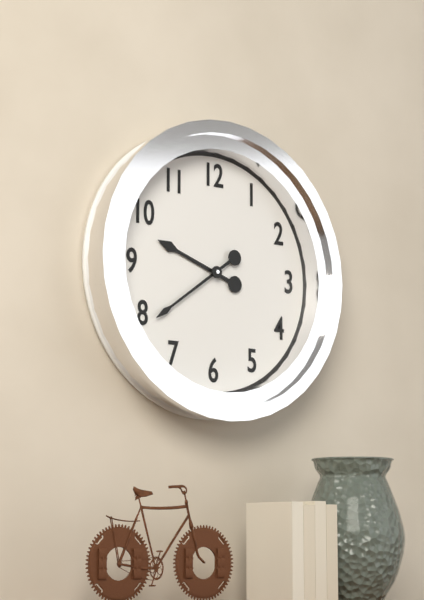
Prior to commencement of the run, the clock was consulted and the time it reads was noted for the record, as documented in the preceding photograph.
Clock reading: 9:39
